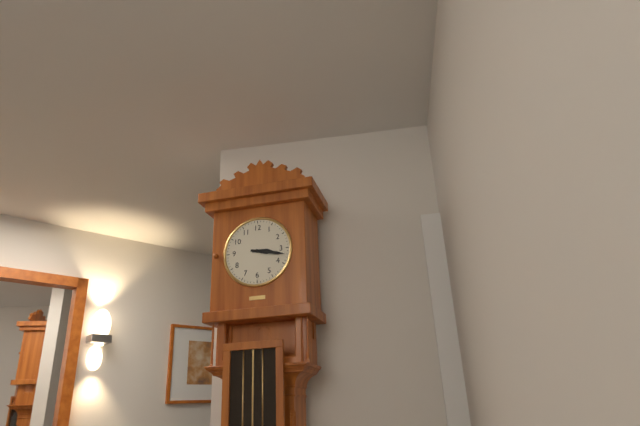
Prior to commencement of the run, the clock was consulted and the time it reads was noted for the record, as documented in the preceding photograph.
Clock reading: 3:17
